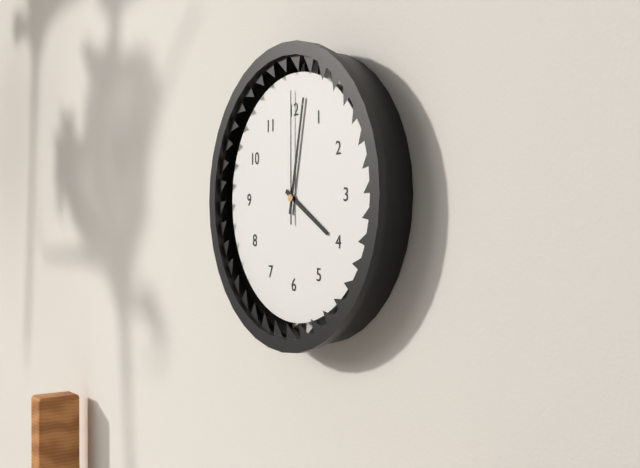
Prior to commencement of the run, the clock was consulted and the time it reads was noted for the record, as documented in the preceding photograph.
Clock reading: 4:02:00
